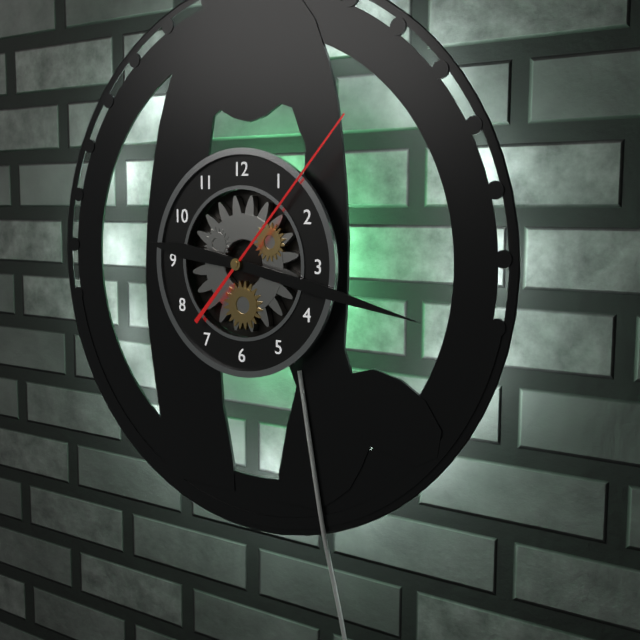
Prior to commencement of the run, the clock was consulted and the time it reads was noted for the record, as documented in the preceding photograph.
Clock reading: 9:17:07
